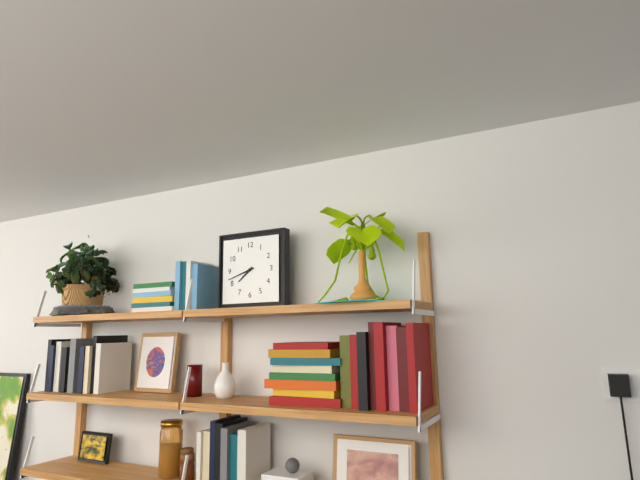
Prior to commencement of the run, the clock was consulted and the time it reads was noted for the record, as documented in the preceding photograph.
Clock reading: 7:42
